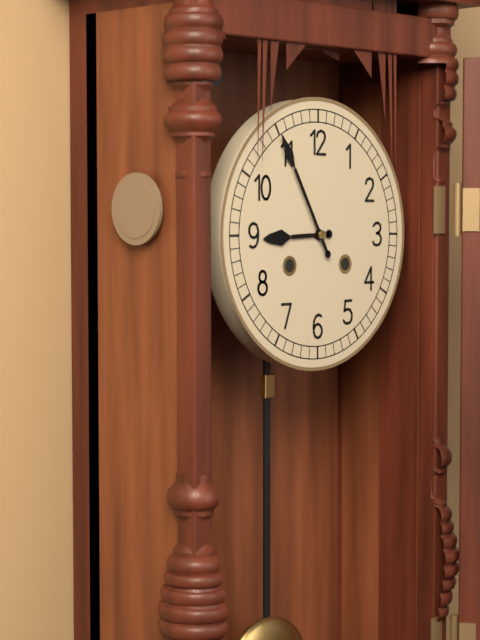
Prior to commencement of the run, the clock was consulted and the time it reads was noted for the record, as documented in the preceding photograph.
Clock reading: 8:55
